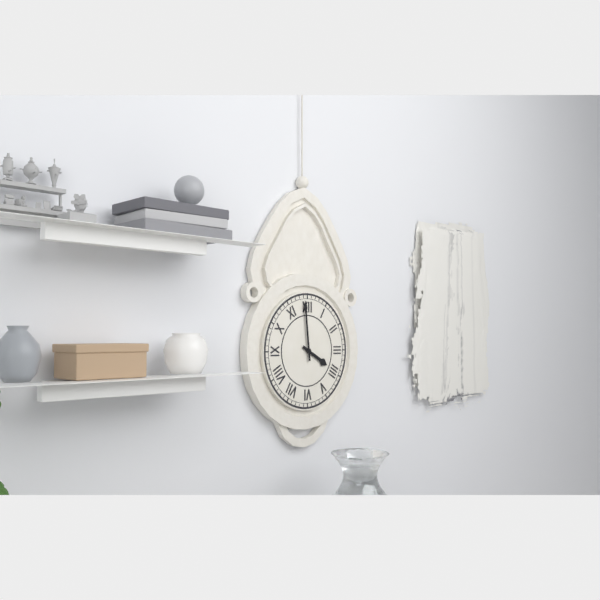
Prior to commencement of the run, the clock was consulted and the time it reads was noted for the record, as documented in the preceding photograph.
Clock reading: 3:59
